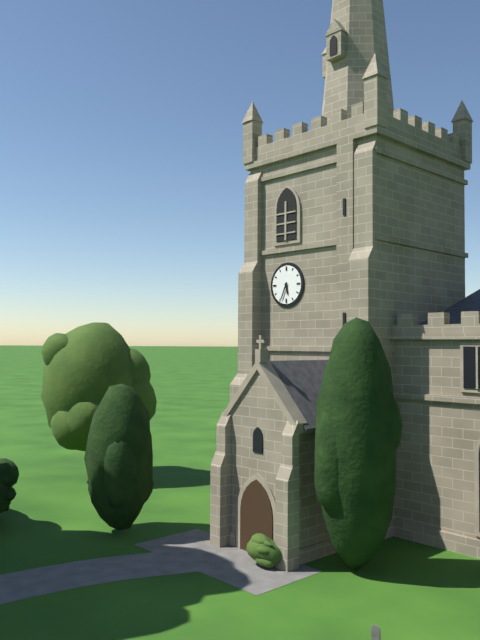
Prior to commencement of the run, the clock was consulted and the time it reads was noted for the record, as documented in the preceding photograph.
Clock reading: 5:34
